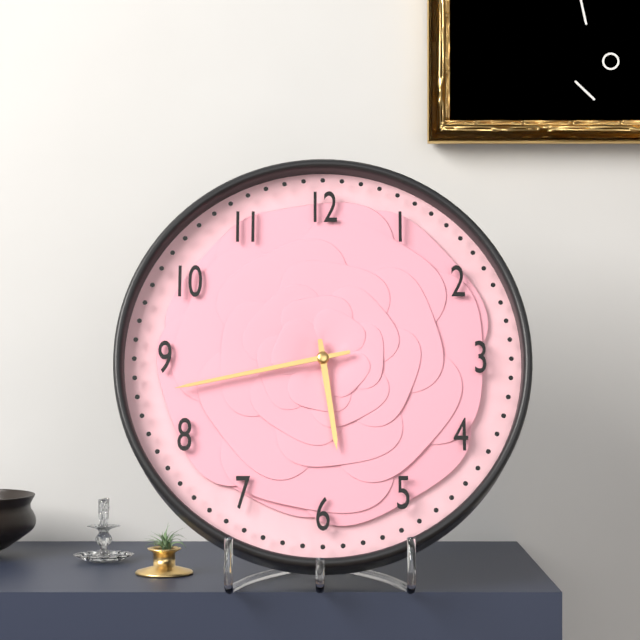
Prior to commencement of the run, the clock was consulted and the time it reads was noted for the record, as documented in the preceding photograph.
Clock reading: 5:43
